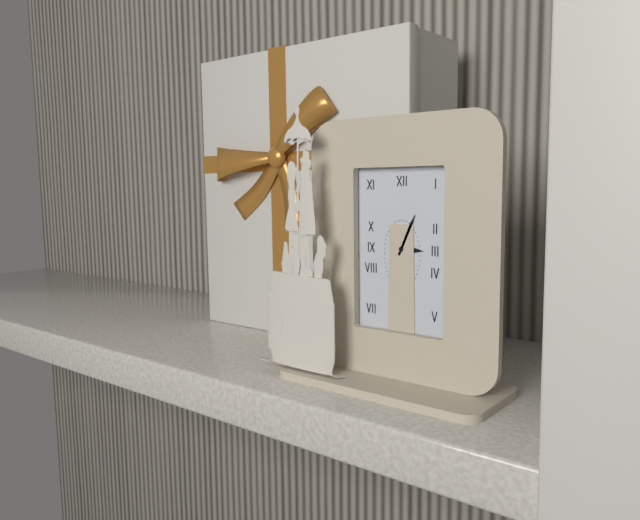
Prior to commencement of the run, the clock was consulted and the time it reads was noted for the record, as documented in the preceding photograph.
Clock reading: 3:04
